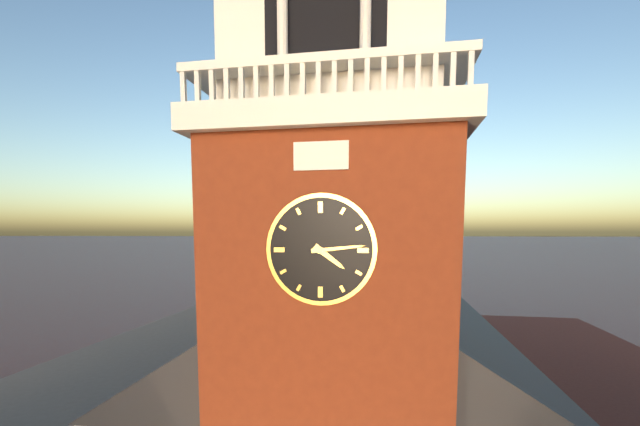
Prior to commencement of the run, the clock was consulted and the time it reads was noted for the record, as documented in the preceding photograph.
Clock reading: 4:14
